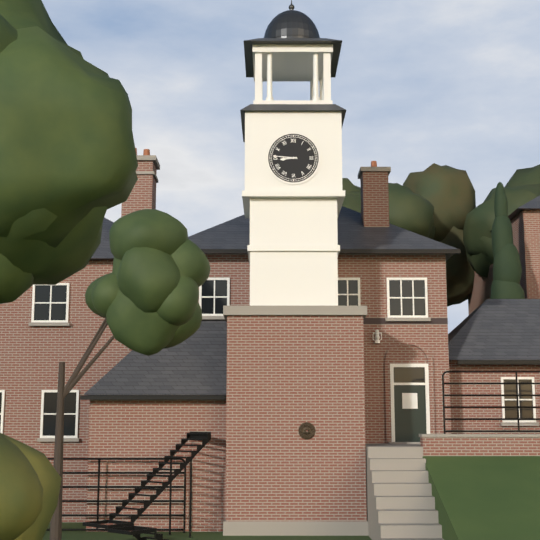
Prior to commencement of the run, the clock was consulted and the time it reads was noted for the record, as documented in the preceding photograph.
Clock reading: 8:46
